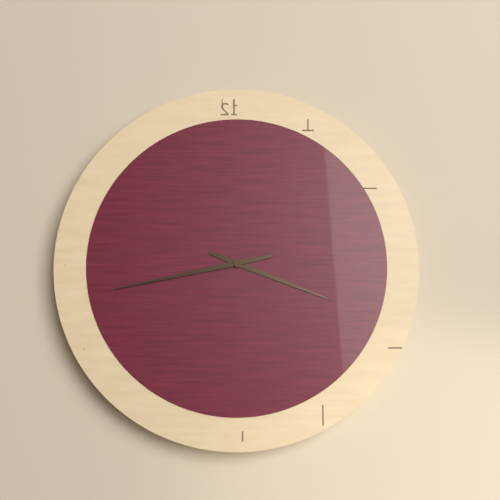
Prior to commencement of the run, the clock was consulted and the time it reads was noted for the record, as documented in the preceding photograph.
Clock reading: 3:43
